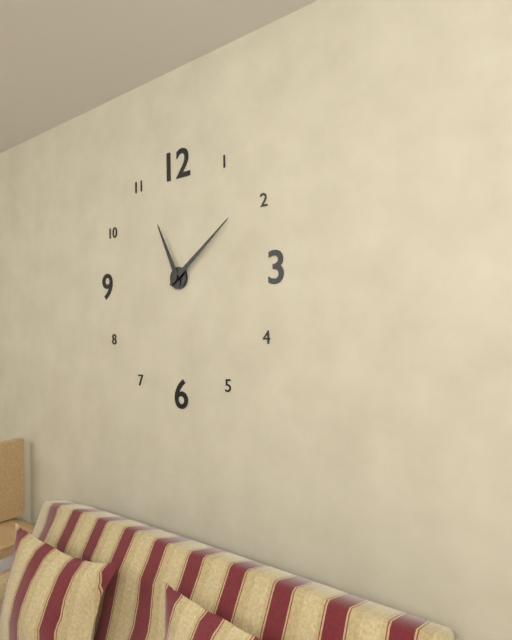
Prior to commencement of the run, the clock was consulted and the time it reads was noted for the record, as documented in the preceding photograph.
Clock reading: 11:09
